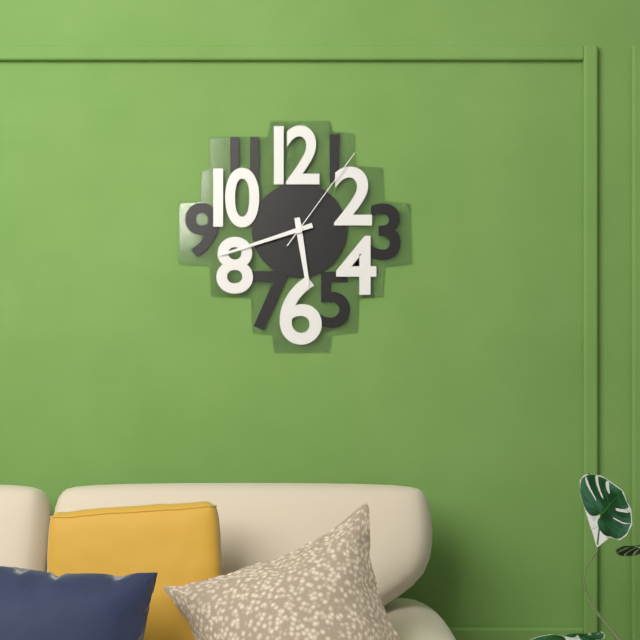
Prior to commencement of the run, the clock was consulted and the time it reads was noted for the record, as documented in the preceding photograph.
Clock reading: 5:42:06
